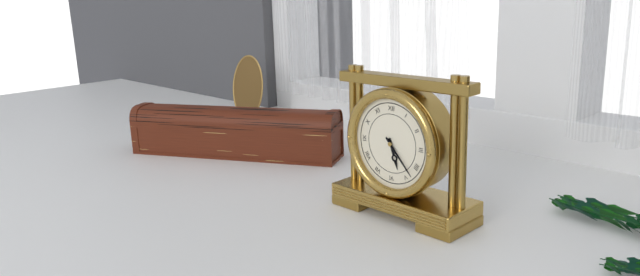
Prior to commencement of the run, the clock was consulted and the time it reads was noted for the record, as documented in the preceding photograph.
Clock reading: 5:23
